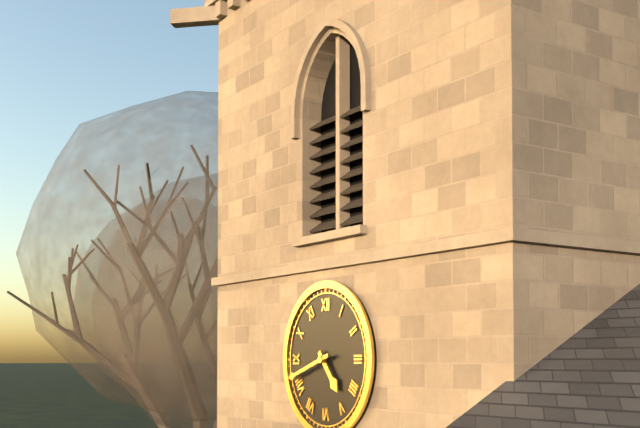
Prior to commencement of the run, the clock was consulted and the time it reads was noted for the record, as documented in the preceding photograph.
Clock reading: 4:42
